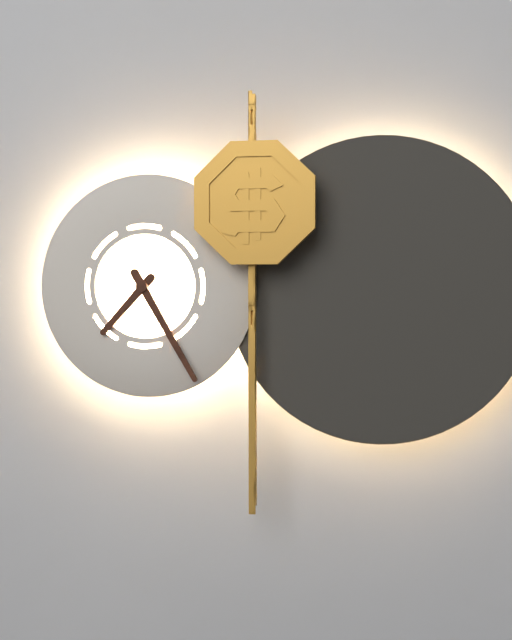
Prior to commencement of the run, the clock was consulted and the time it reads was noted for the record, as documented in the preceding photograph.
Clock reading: 7:25
